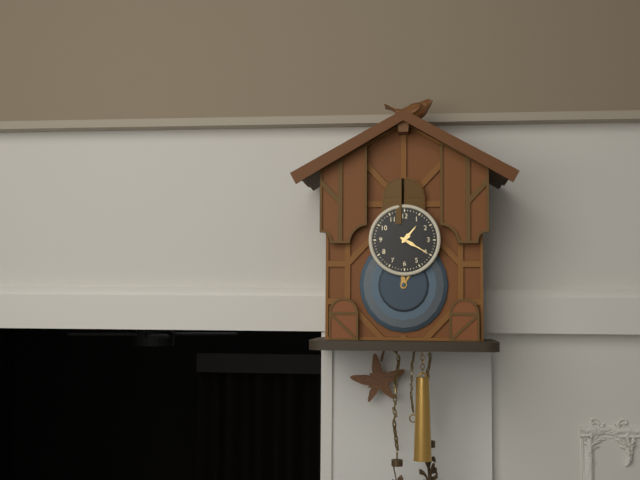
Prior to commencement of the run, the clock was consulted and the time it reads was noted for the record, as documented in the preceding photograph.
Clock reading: 1:20
